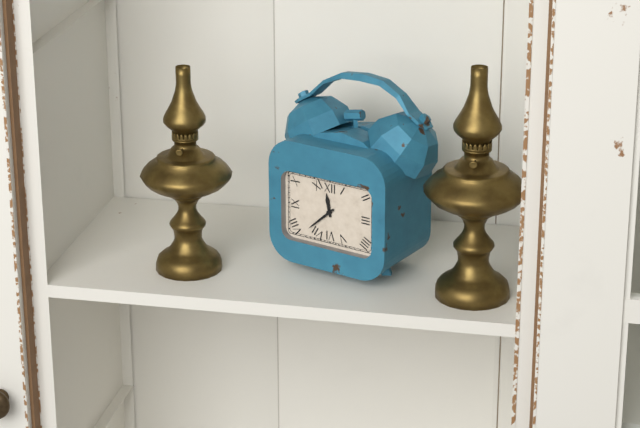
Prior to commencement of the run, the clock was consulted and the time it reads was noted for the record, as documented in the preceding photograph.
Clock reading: 11:38
